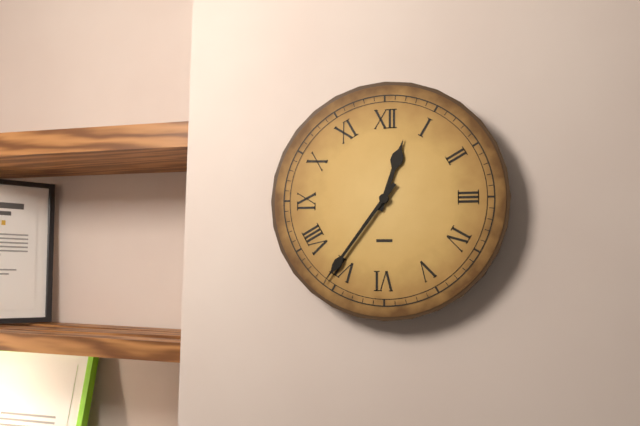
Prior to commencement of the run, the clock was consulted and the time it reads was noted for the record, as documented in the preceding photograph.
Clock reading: 12:36
